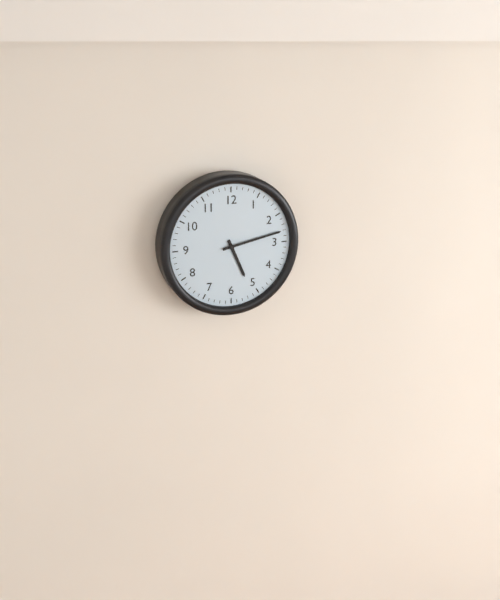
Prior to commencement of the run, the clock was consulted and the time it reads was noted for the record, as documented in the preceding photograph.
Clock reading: 5:13
